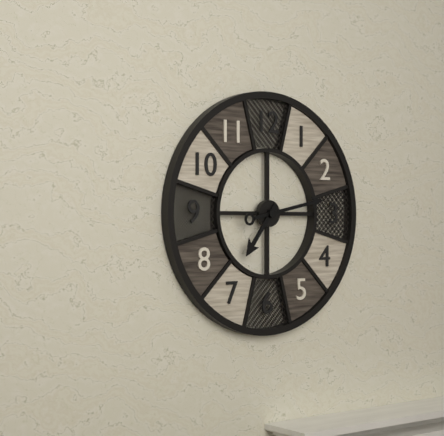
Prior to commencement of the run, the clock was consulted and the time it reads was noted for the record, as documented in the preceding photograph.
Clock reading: 7:13
